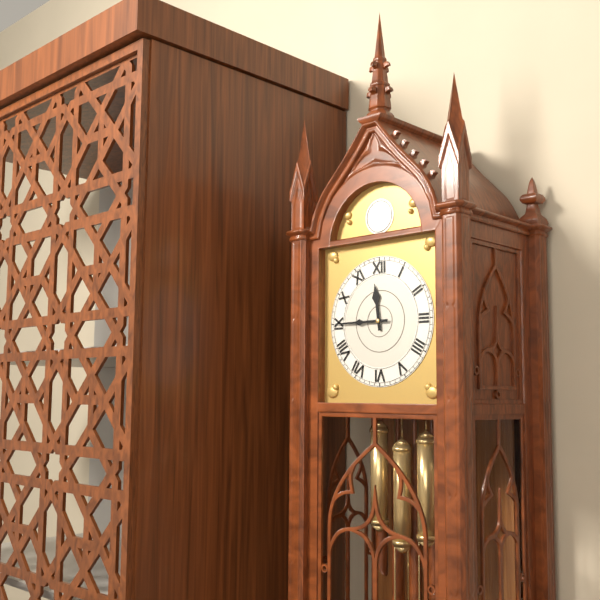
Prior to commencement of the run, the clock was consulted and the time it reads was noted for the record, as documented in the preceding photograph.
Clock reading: 11:45
